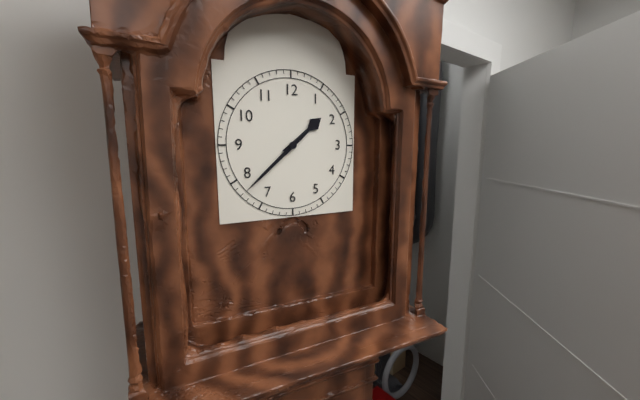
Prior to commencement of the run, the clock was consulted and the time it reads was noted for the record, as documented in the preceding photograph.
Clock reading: 1:38
